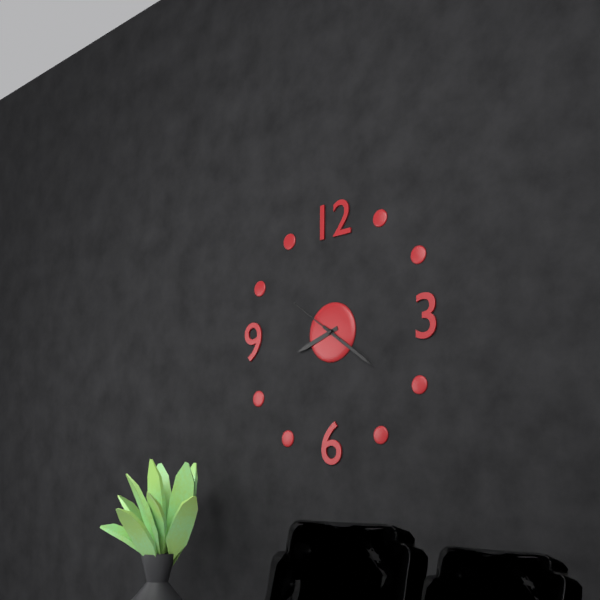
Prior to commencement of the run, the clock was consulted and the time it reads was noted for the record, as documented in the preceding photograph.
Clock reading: 8:21:51
